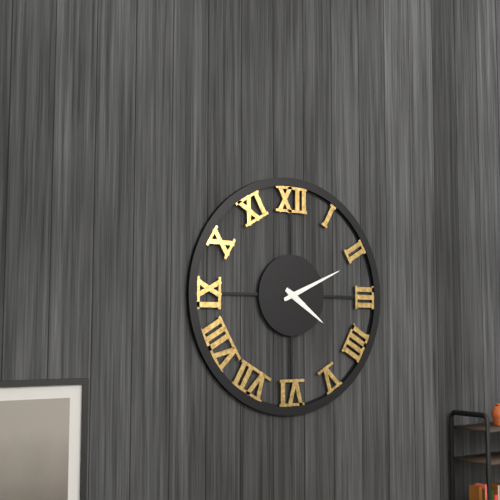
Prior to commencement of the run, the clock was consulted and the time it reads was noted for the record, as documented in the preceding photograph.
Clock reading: 4:11
